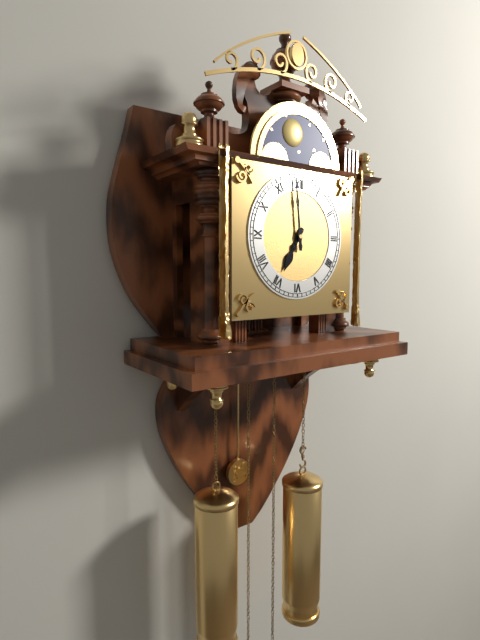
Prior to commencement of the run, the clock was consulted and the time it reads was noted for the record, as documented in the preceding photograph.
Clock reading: 6:59
